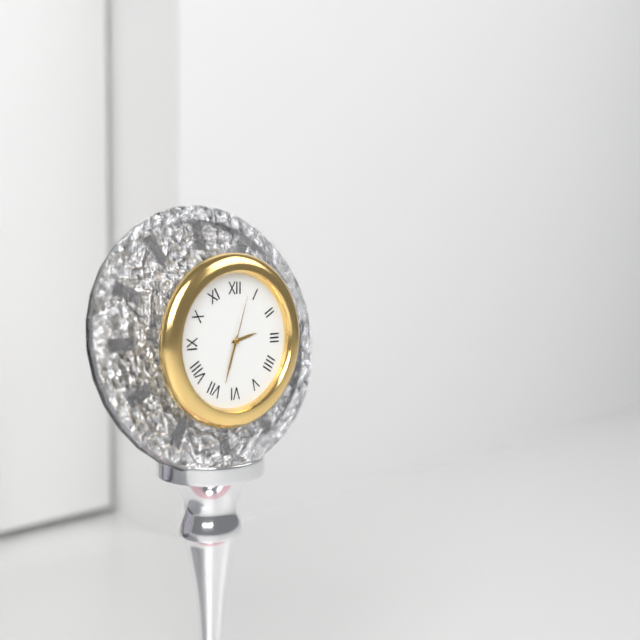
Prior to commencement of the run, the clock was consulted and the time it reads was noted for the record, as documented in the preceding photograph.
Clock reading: 2:33:03
